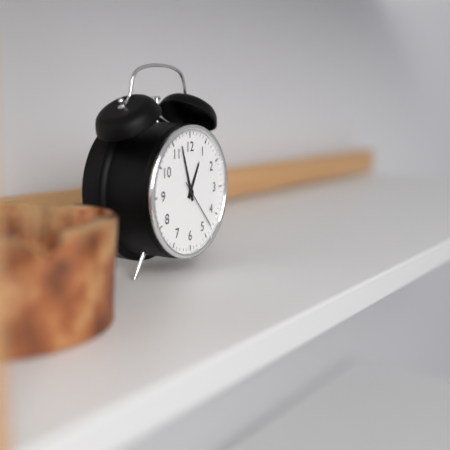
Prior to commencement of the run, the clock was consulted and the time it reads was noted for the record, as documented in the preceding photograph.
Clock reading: 12:57:23
